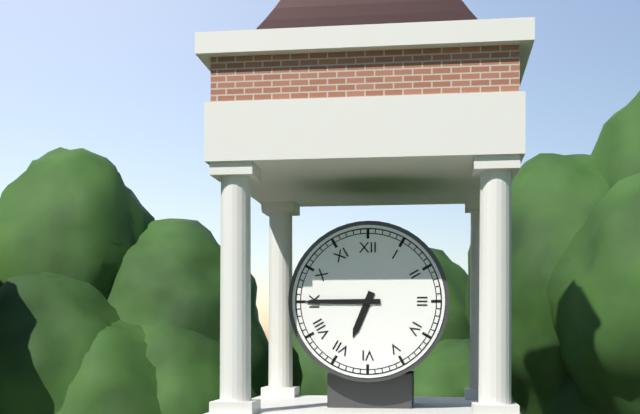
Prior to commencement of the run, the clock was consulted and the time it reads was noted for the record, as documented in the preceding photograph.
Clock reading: 6:45
